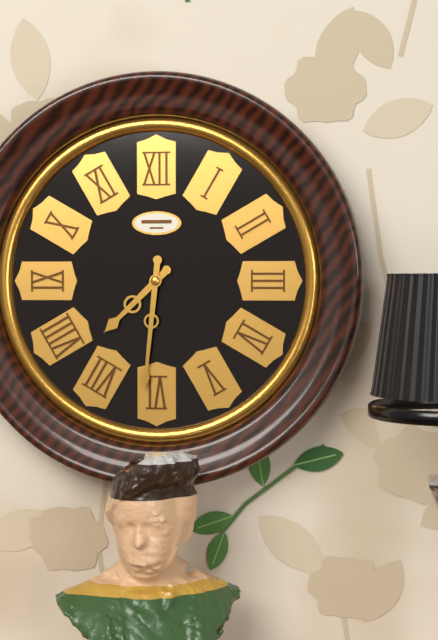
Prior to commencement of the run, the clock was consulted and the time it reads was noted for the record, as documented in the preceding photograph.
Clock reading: 7:31
